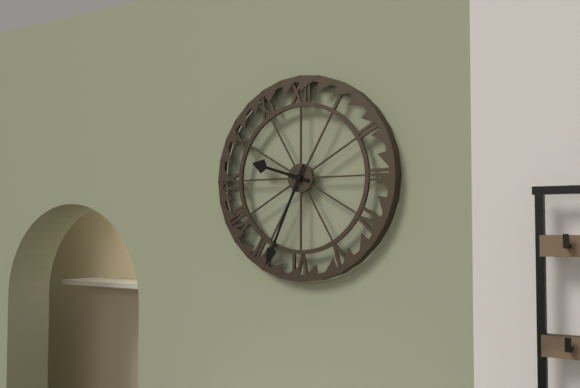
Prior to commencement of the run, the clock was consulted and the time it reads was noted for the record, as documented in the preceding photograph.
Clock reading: 9:34
